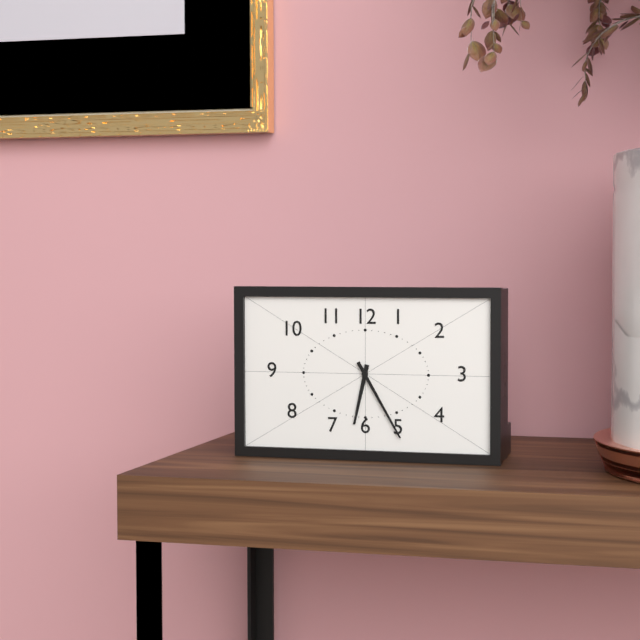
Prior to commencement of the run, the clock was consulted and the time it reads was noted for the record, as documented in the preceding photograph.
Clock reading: 6:25
